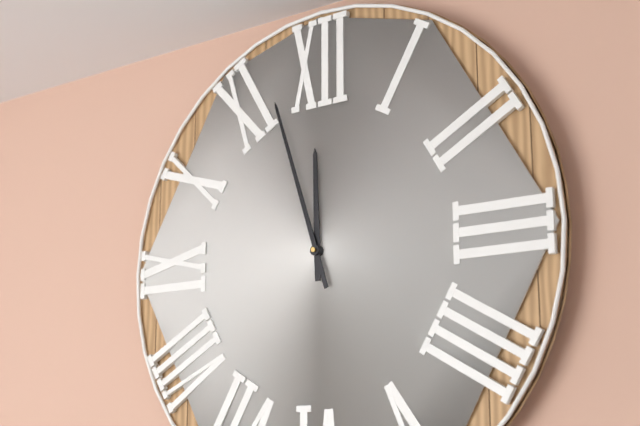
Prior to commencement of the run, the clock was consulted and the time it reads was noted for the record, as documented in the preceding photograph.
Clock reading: 11:57
